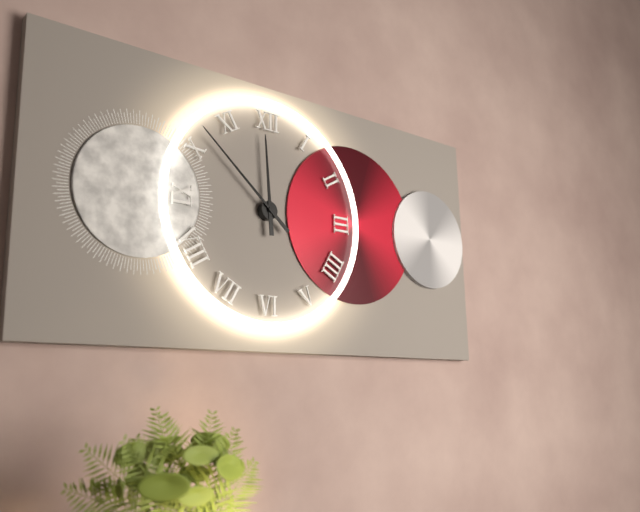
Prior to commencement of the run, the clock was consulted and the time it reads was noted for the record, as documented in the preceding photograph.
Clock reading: 11:52
